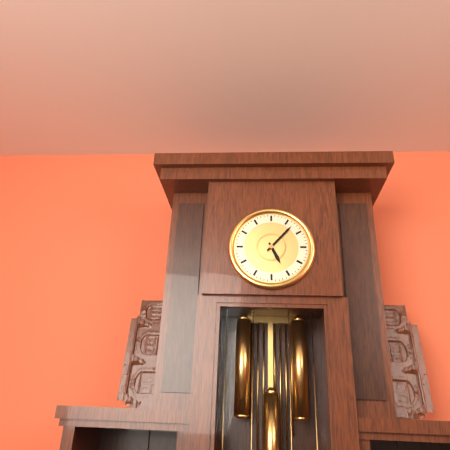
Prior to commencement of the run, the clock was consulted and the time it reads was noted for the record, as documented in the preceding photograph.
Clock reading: 5:07
